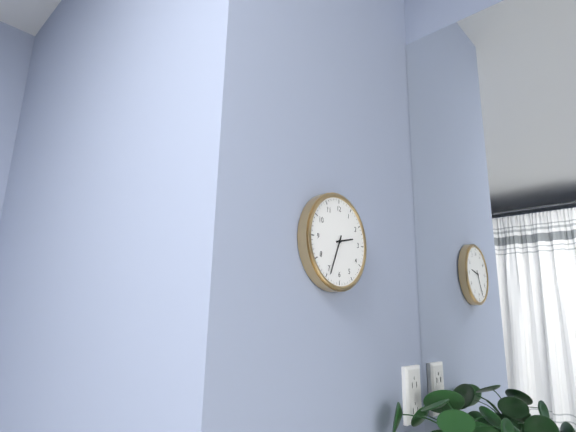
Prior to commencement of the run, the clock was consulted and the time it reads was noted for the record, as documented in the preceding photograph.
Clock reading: 2:34
